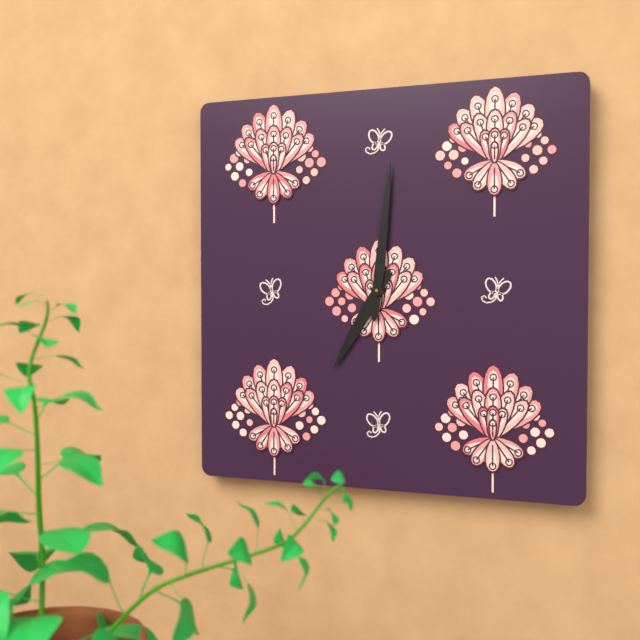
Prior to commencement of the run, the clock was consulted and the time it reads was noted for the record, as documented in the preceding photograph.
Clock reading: 7:01
